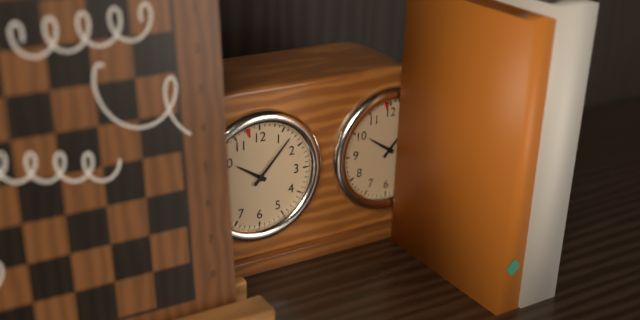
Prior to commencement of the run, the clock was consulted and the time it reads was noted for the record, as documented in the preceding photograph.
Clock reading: 10:07
